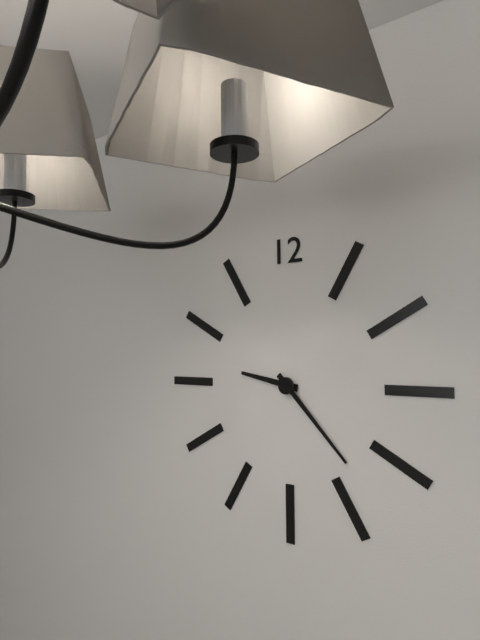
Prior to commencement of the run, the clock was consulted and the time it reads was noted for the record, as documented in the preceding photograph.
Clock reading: 9:23
